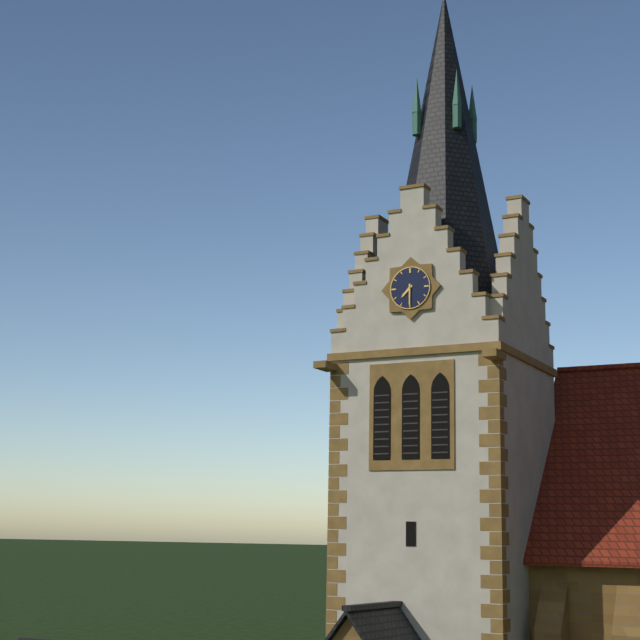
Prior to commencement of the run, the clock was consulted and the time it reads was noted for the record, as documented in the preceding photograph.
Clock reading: 7:30
